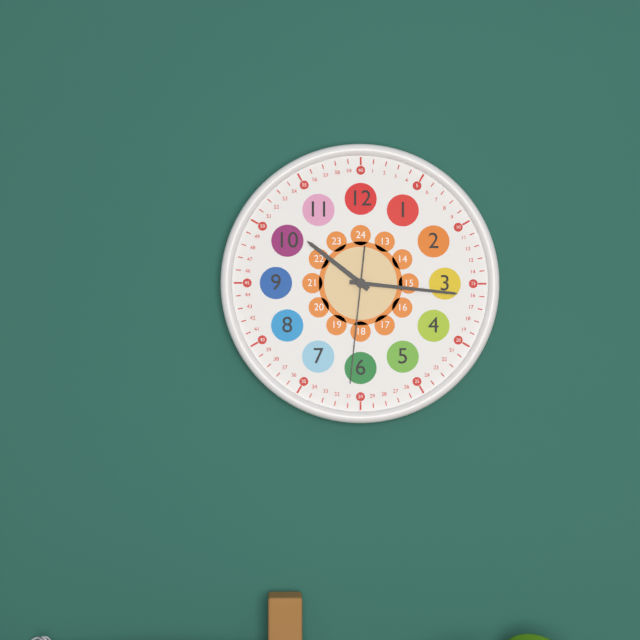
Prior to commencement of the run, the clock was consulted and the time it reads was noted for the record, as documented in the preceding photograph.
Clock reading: 10:16:31
